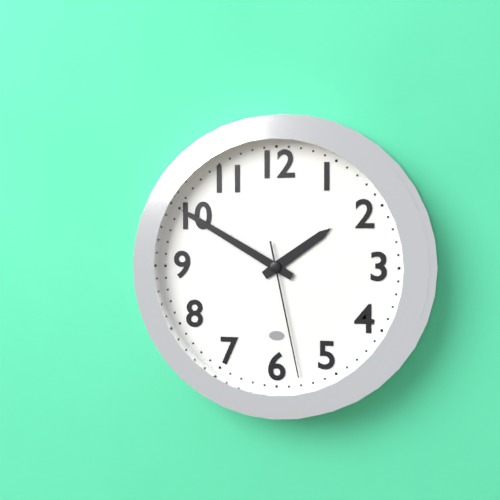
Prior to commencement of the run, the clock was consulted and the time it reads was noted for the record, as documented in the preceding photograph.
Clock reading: 1:50:28
